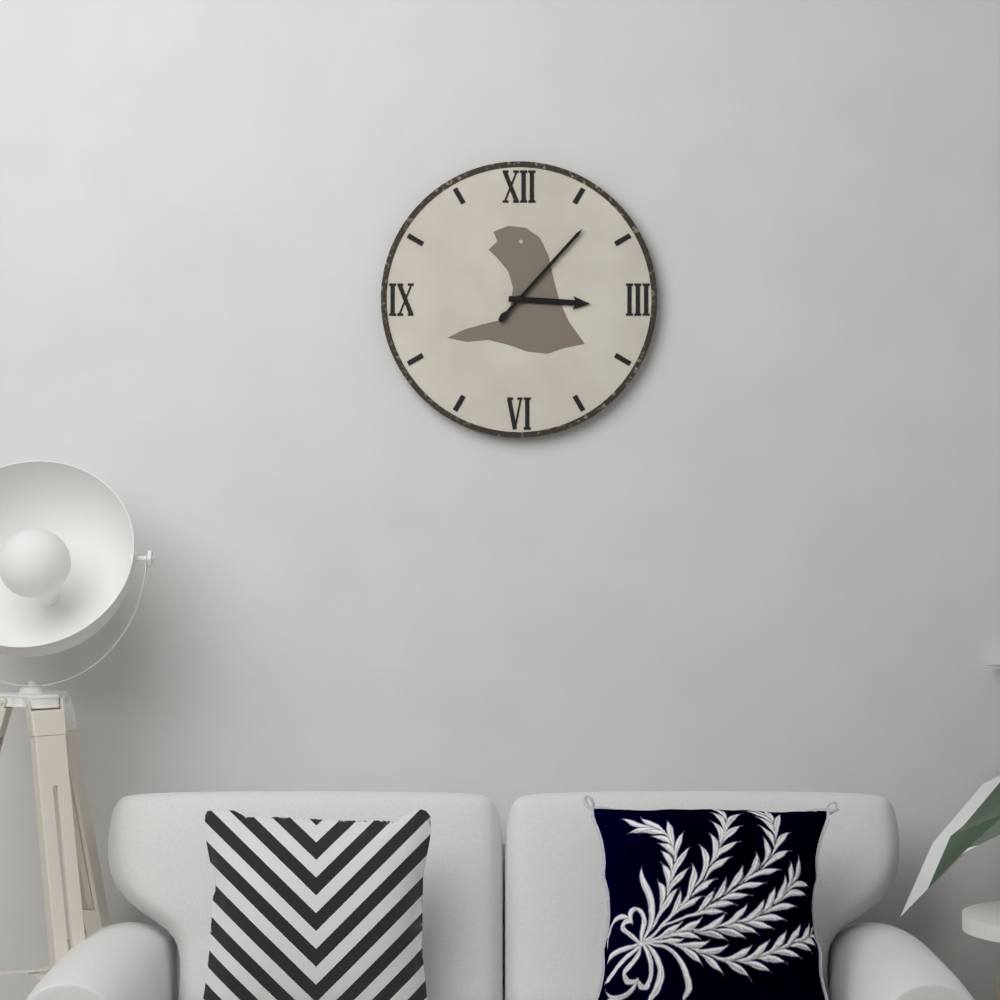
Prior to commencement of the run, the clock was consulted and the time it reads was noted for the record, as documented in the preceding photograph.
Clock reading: 3:07
